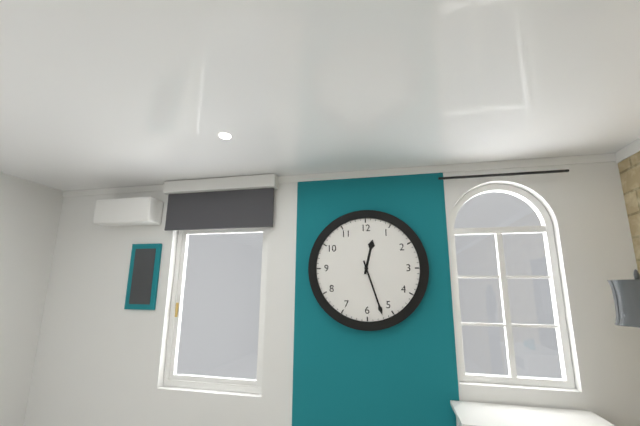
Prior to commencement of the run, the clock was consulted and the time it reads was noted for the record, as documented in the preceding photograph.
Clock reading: 12:27
